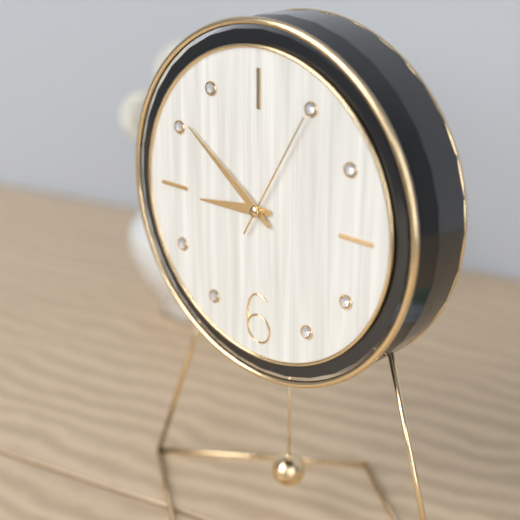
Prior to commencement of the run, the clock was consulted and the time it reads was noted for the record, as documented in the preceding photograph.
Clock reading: 8:51:05
